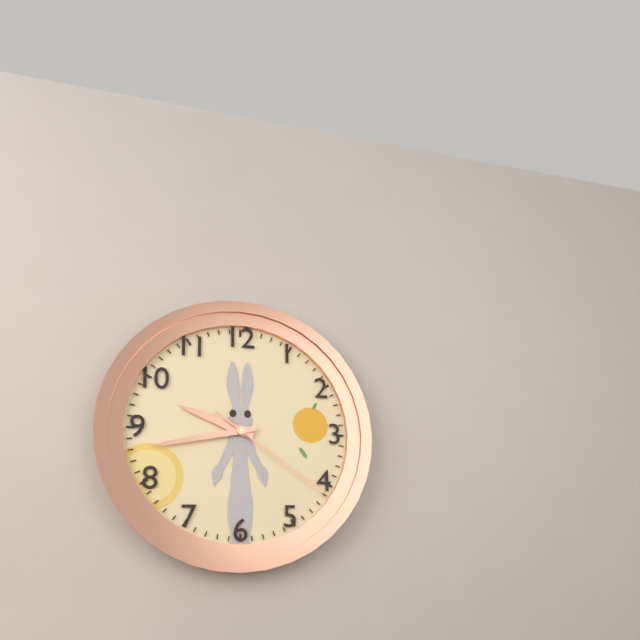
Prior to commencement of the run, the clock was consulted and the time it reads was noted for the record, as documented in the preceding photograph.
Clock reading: 9:43:21
